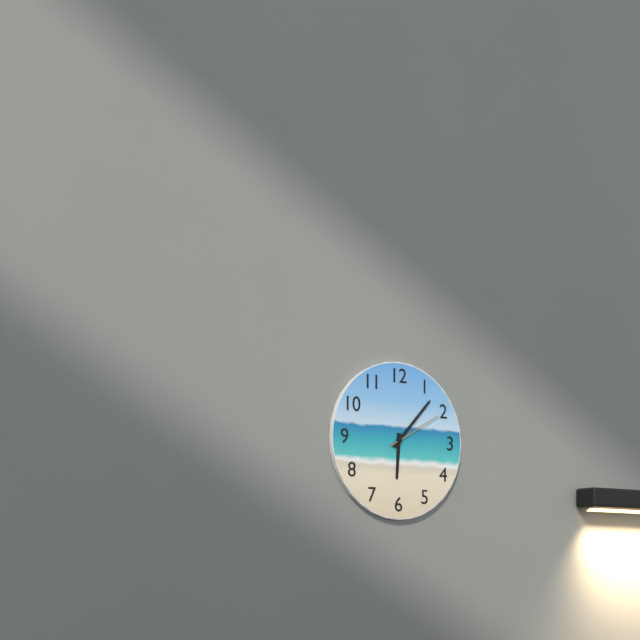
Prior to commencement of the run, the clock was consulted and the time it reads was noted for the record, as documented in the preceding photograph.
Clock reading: 6:07:10
